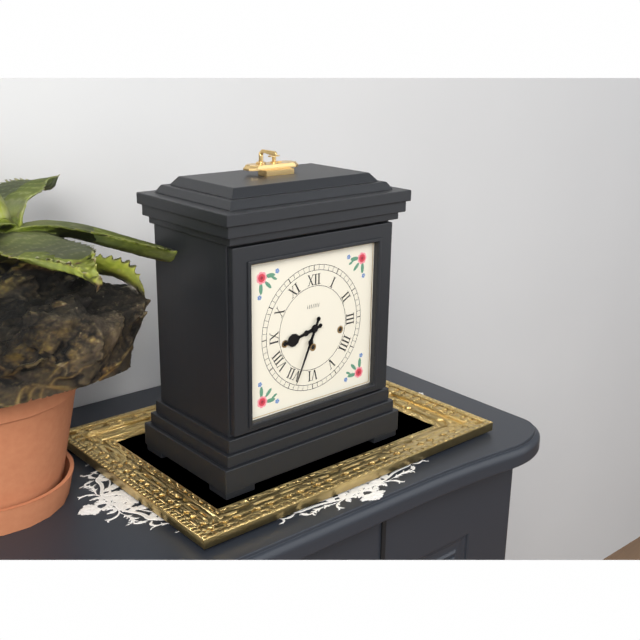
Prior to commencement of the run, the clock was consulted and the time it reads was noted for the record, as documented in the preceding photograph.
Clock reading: 8:34
